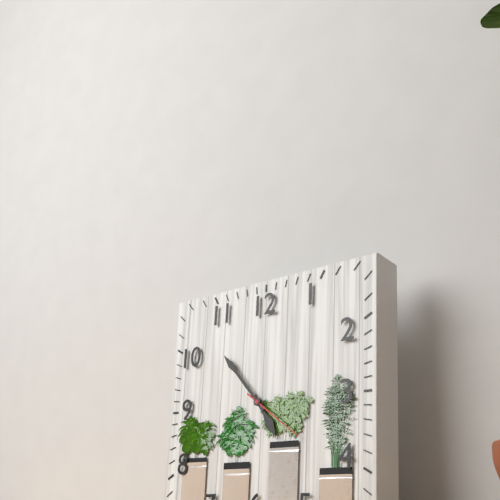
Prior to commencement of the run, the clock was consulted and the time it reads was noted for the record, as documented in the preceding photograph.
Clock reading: 4:53:21
